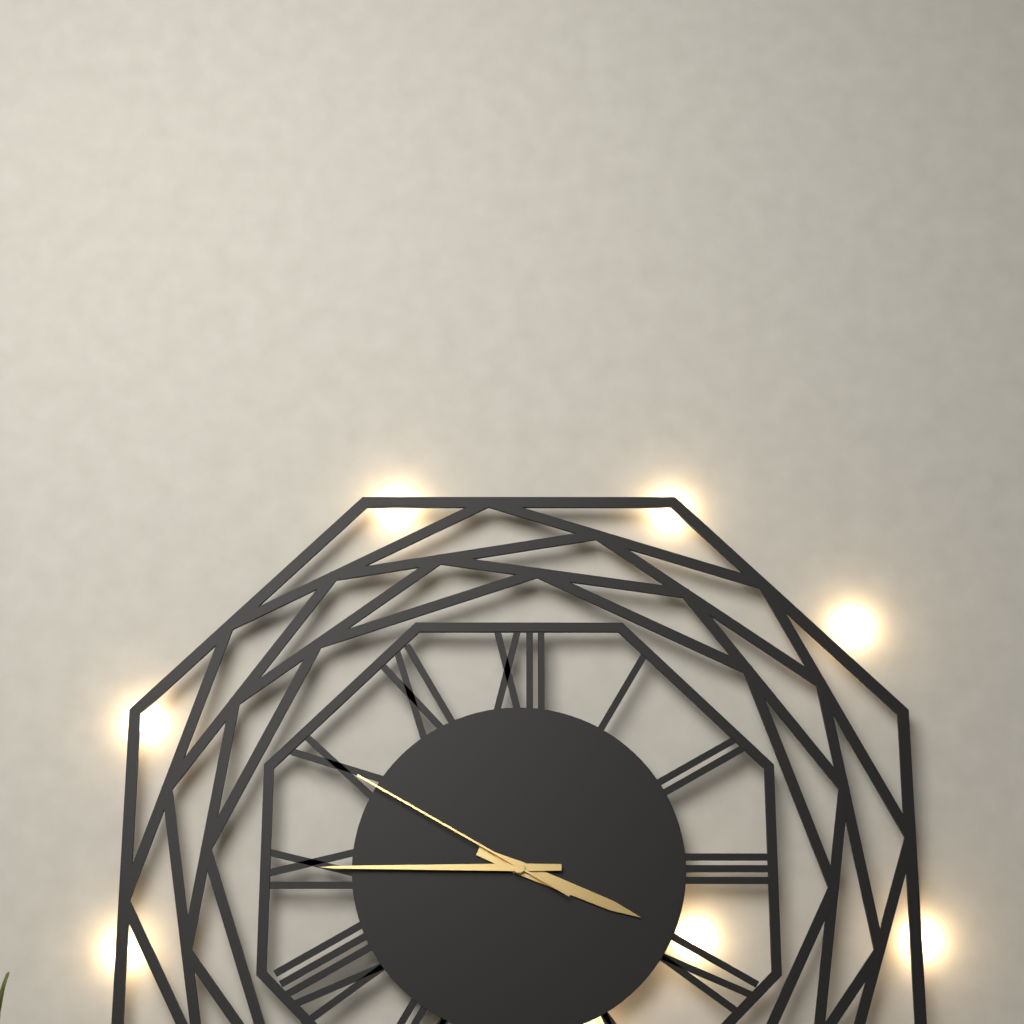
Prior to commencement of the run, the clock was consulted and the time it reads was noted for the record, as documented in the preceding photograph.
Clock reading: 3:45:50
